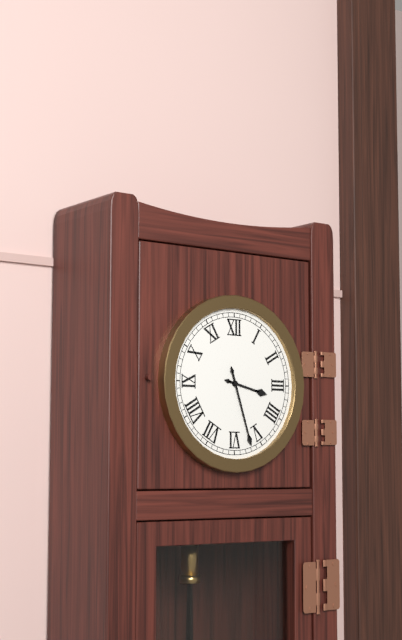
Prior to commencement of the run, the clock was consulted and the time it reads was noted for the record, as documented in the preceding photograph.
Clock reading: 3:27
